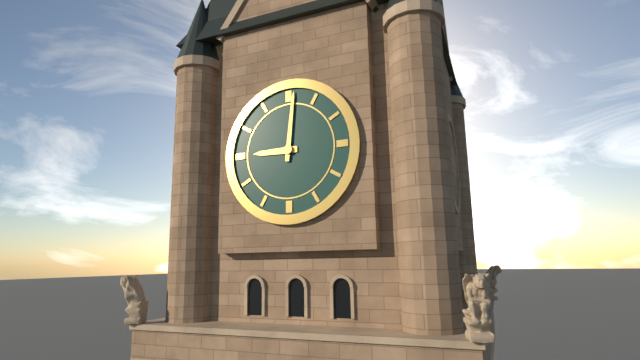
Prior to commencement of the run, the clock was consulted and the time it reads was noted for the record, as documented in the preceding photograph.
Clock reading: 9:01
